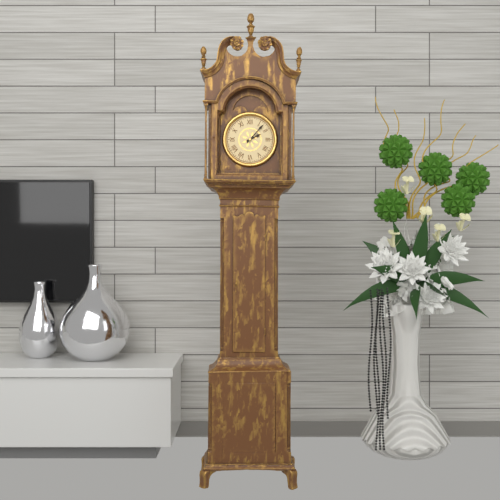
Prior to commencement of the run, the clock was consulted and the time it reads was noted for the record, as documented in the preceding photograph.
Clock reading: 2:07
